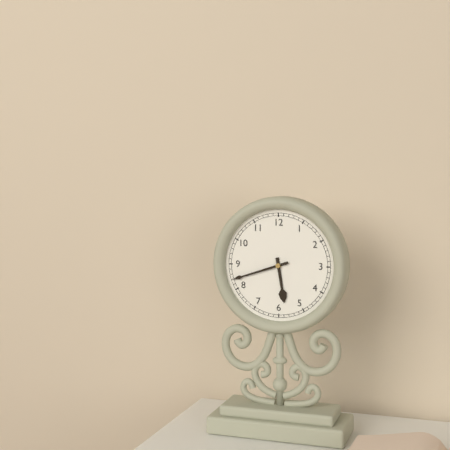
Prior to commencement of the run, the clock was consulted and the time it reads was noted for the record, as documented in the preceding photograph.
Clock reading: 5:42
